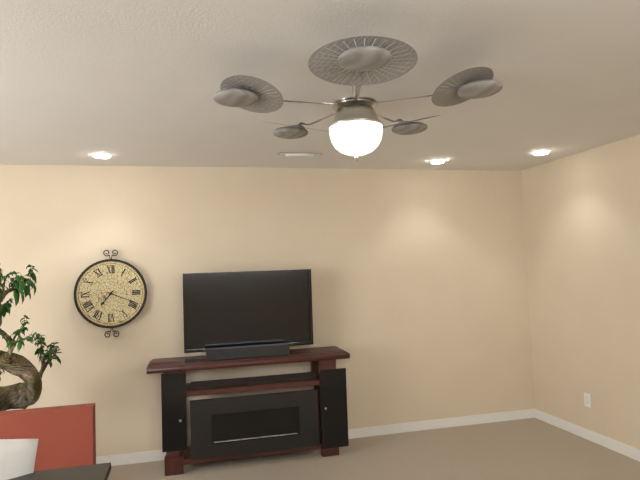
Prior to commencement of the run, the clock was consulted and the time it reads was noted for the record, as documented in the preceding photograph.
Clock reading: 7:19
